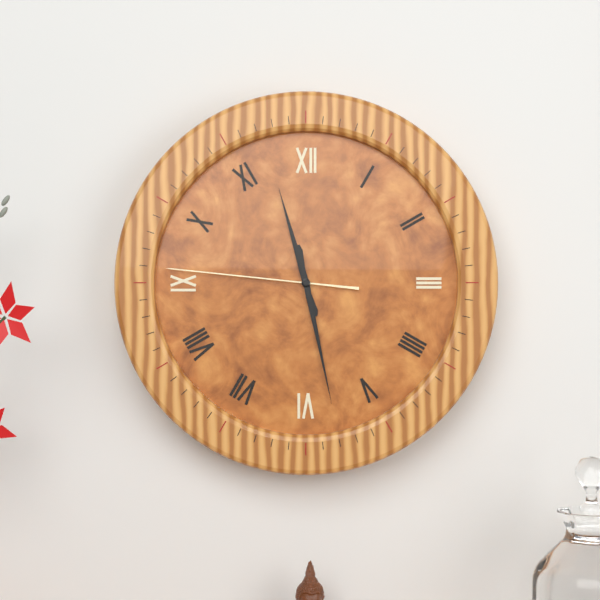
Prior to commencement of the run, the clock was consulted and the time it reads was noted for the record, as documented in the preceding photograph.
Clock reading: 11:28:46
